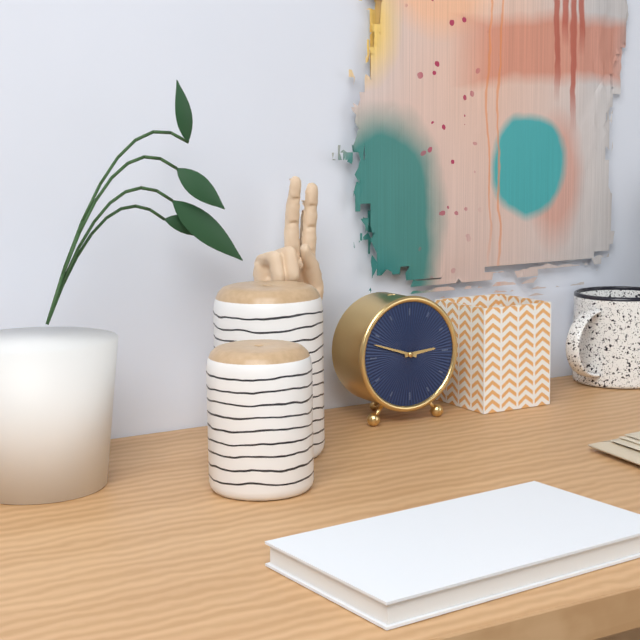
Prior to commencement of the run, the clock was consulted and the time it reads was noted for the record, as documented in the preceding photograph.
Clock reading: 2:48
